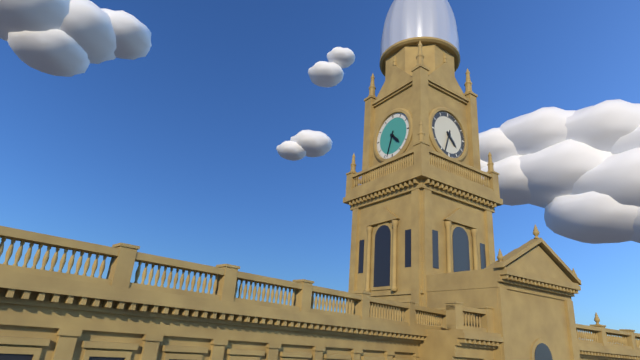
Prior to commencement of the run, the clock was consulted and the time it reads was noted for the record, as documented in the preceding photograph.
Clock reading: 4:33
